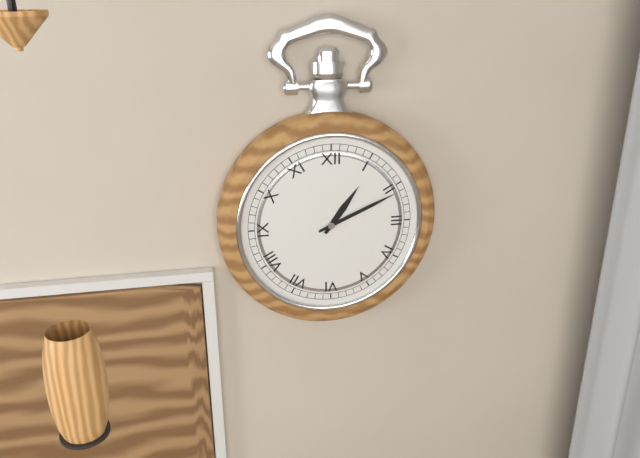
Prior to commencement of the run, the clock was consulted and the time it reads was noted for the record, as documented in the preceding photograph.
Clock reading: 1:11
